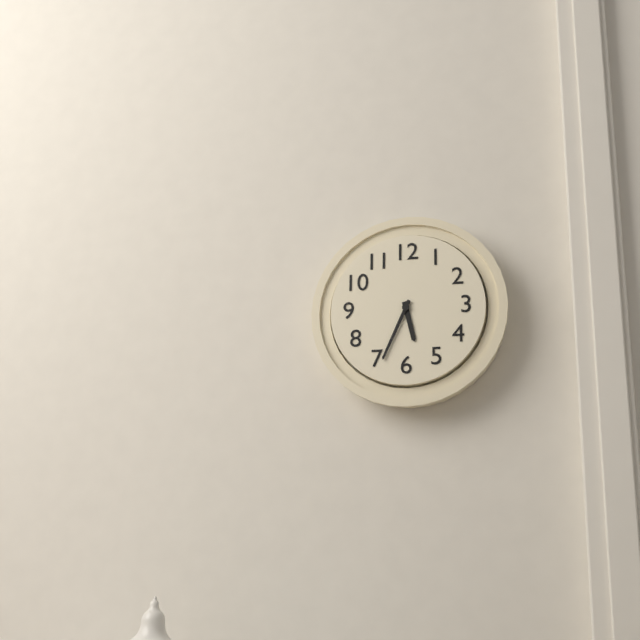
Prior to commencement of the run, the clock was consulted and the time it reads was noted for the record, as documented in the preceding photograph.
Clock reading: 5:34
